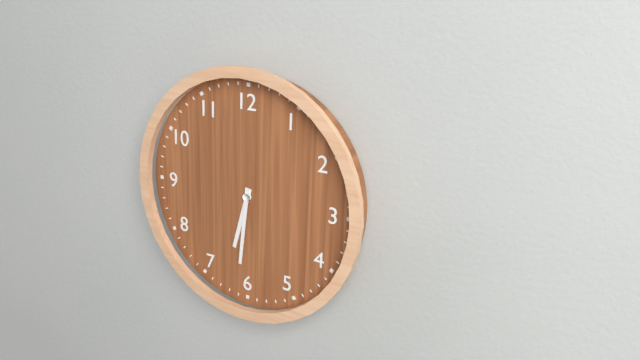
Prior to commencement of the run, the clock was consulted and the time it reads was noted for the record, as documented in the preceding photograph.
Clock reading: 6:31
